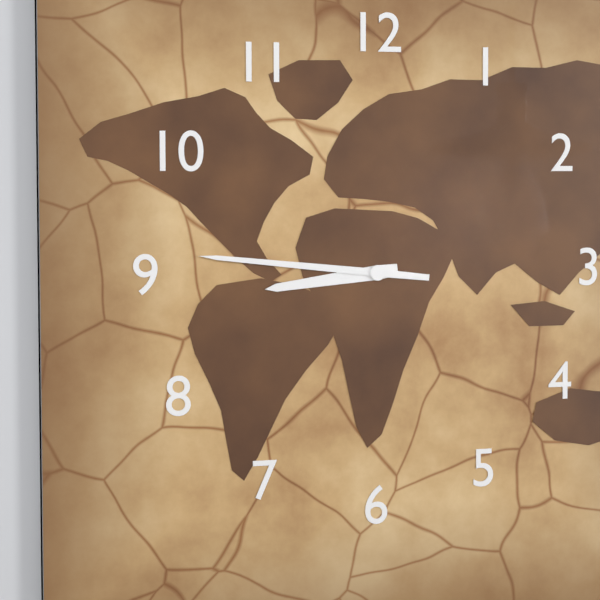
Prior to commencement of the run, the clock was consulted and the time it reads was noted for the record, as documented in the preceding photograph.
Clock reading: 8:46
